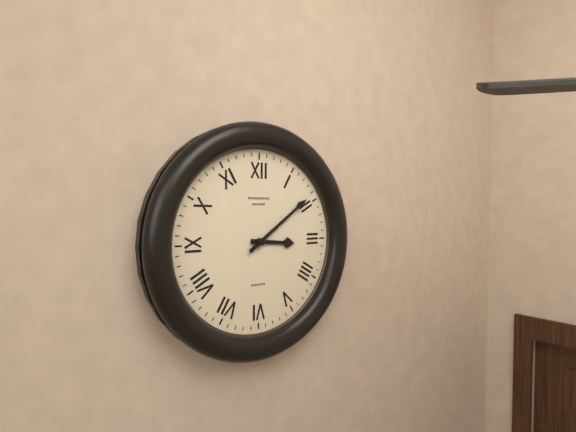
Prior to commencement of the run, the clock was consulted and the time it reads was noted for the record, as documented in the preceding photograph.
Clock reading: 3:09
